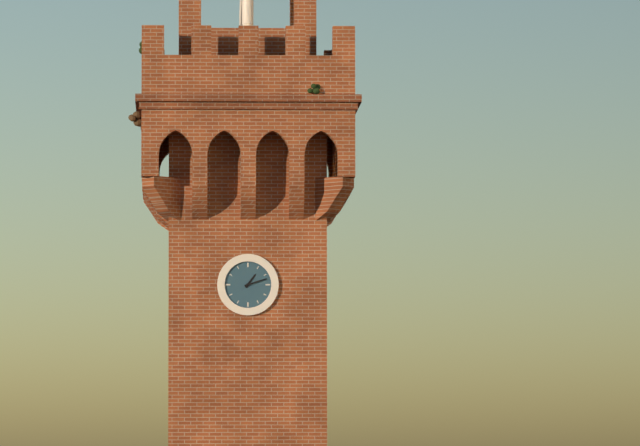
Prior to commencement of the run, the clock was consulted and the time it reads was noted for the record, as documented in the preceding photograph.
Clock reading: 1:12
